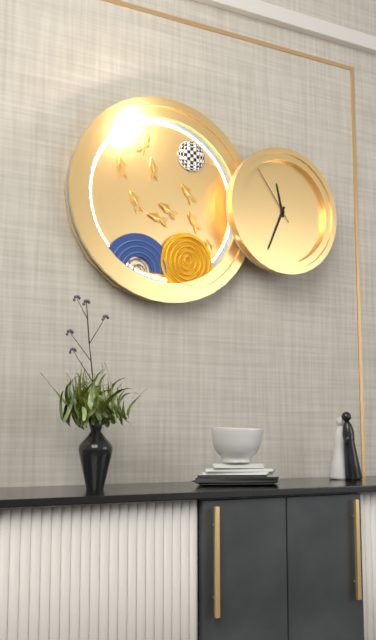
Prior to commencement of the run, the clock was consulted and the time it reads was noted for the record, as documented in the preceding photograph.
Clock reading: 11:34:54
